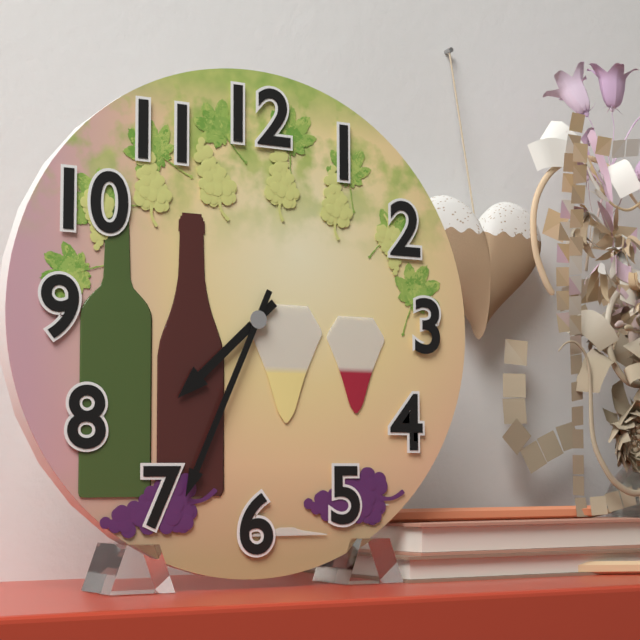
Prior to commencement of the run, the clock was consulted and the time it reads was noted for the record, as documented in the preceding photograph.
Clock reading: 7:34
